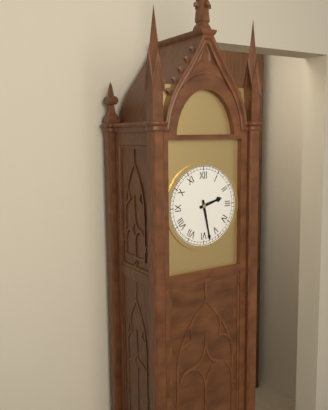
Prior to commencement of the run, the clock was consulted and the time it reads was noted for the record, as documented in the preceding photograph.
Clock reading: 2:28
